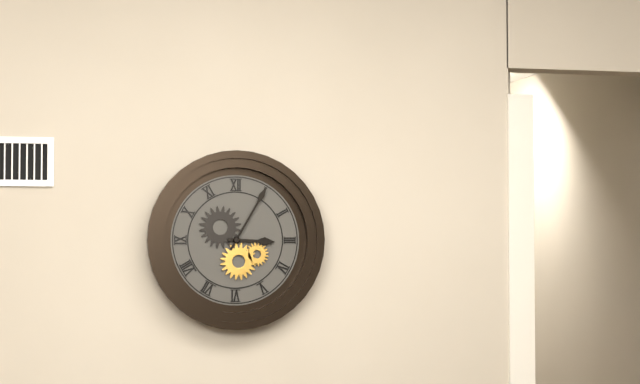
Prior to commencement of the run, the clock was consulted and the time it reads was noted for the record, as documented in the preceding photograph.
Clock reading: 3:05
